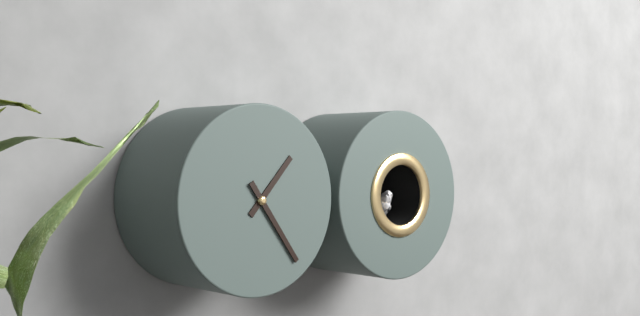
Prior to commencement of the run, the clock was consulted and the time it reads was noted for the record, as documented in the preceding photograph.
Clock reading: 1:24
